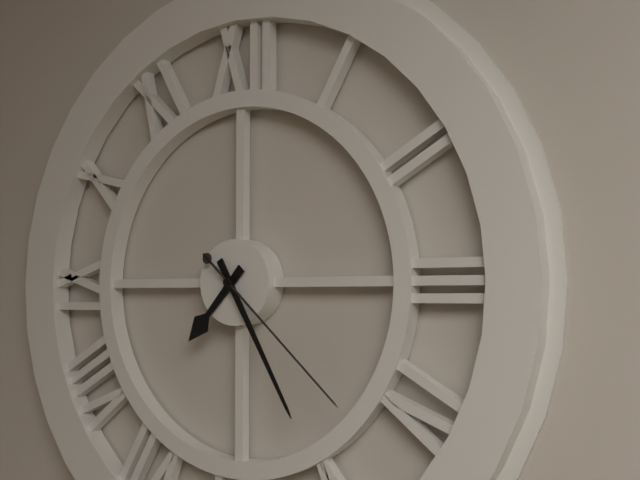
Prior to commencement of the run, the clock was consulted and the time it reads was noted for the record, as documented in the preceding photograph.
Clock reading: 7:25:22
